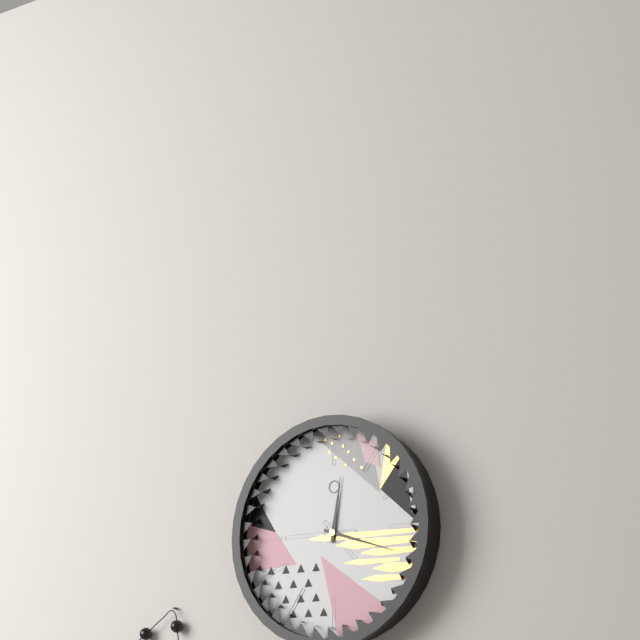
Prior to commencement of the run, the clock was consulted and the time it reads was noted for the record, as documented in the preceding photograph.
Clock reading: 12:18
